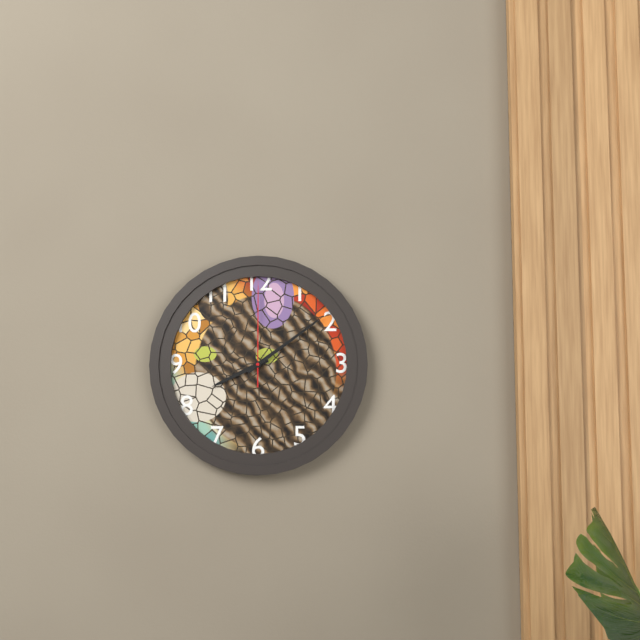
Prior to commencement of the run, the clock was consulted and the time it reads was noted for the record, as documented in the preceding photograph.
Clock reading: 8:09:00
